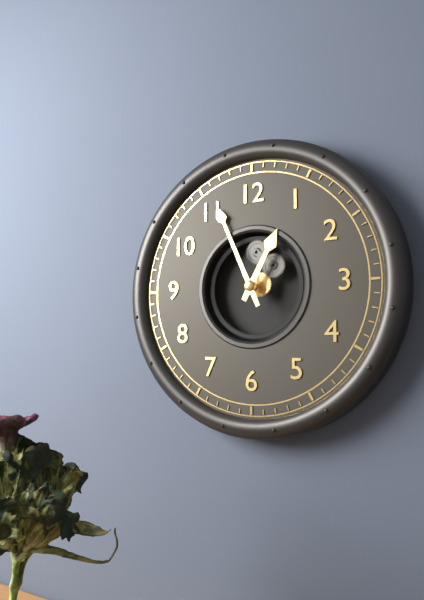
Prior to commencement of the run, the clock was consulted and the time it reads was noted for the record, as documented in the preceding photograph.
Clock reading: 12:56
